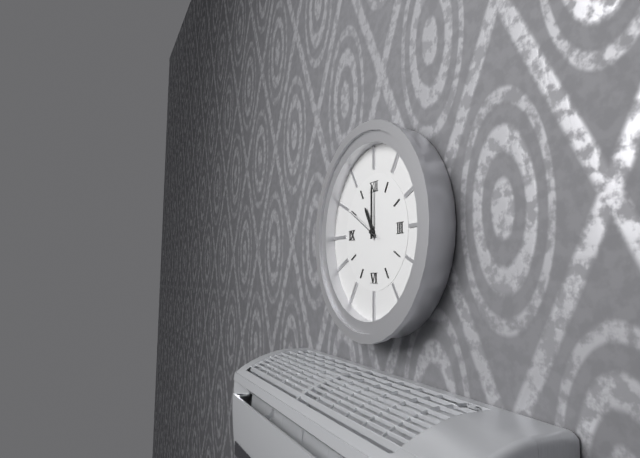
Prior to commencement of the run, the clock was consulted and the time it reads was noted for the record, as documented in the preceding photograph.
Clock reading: 11:00
